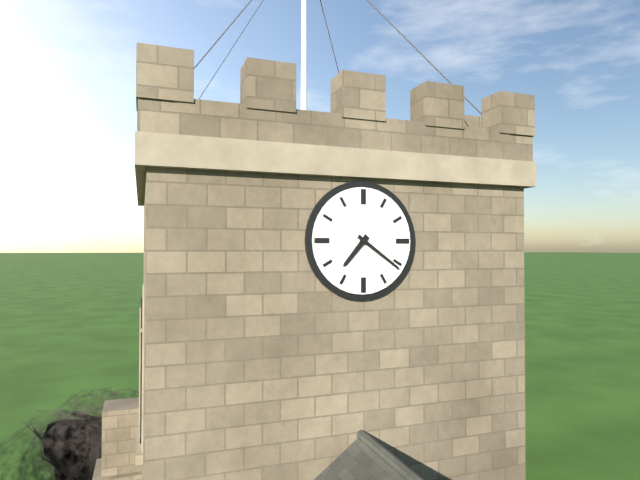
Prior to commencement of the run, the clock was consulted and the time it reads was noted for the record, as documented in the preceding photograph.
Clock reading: 7:21
